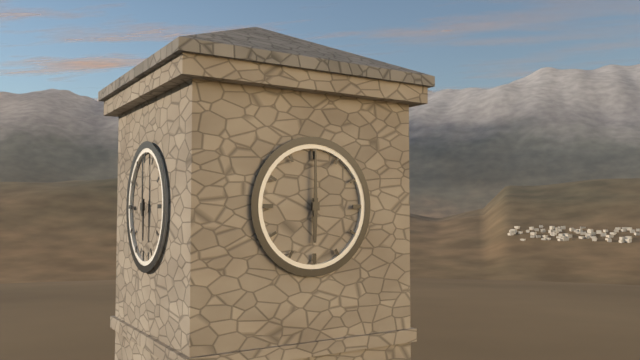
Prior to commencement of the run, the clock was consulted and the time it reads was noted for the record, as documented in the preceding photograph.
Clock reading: 6:00
